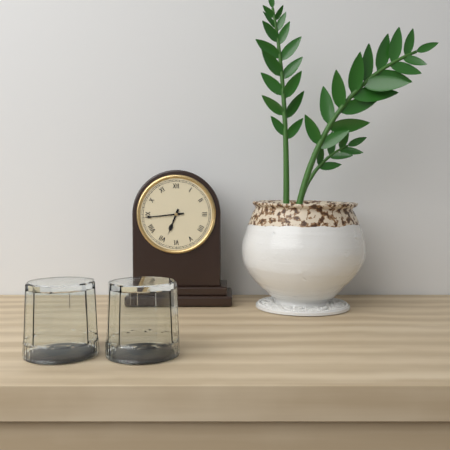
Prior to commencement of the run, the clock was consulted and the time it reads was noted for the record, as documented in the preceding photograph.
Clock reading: 6:44
